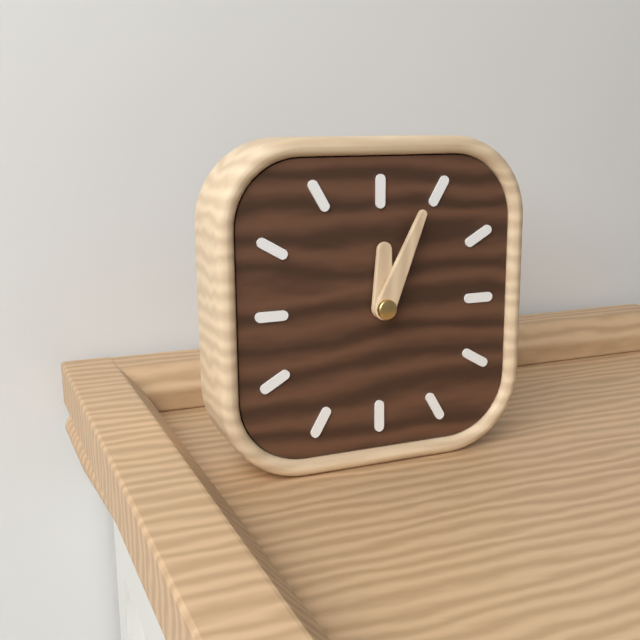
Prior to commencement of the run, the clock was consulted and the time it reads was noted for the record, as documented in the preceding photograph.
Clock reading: 12:04
